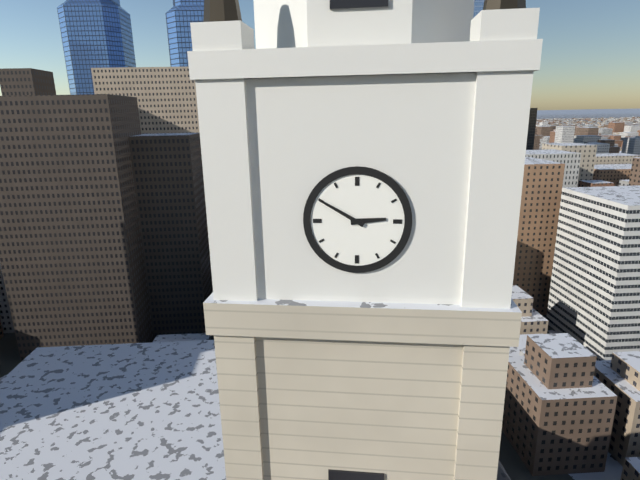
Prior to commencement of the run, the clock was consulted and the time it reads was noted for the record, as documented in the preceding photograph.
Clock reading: 2:50
